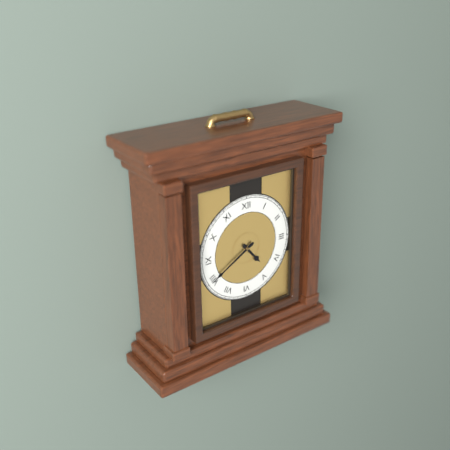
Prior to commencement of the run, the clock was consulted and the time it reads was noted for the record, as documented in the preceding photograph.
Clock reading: 4:40
